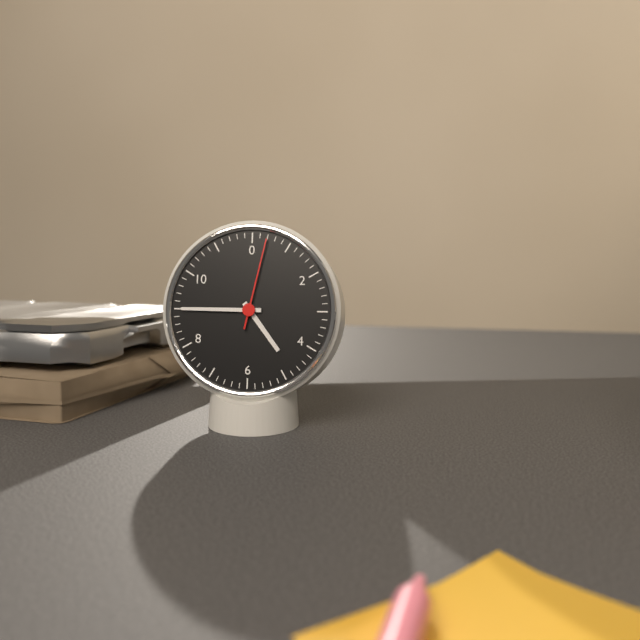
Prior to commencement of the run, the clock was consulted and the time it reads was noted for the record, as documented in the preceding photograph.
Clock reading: 4:45:02
